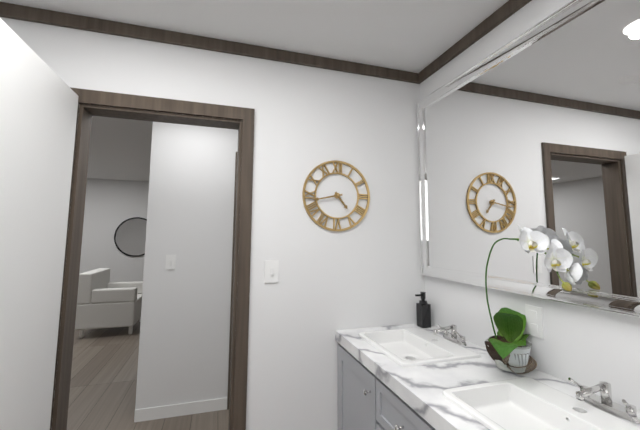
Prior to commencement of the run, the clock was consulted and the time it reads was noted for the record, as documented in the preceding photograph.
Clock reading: 4:43
